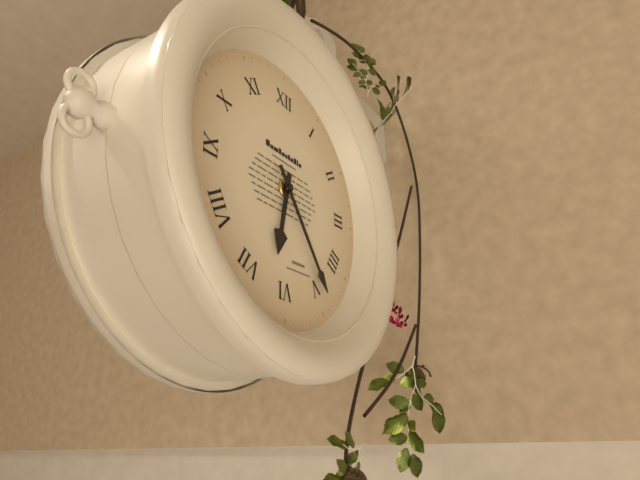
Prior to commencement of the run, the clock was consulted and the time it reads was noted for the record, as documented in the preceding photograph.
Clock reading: 6:24
